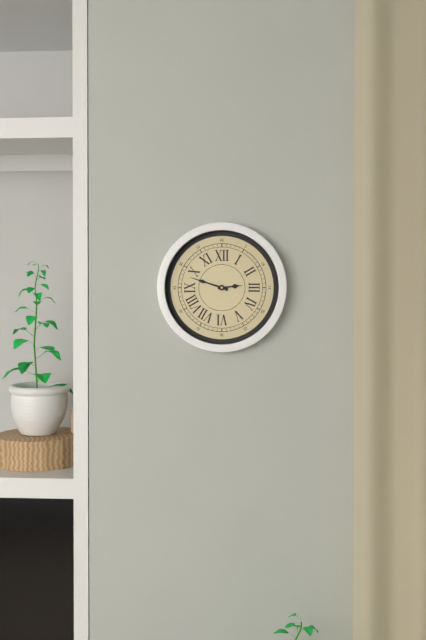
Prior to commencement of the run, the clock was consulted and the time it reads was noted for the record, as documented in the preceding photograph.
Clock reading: 2:48
